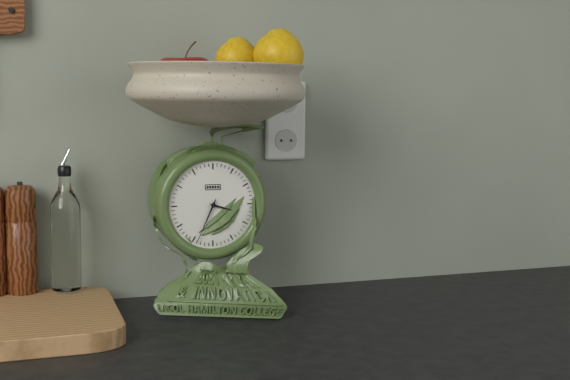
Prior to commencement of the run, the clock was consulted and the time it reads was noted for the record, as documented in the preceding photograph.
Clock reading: 3:34
